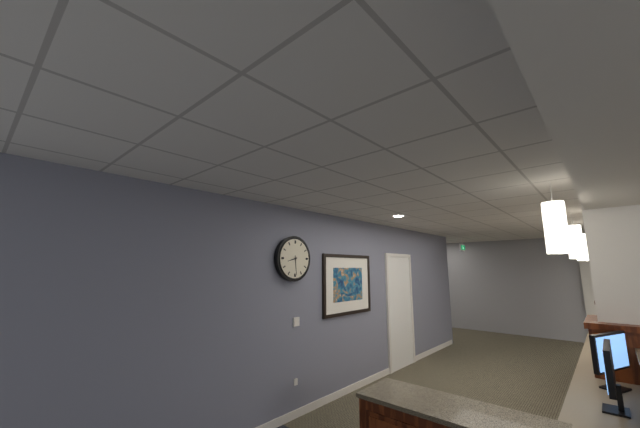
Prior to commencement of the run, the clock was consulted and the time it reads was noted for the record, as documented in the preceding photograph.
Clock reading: 8:29
